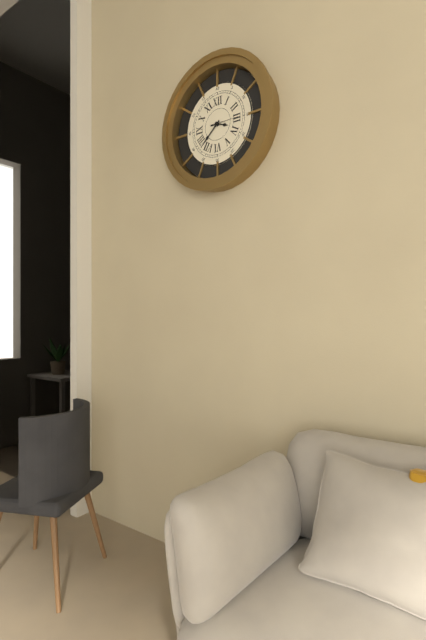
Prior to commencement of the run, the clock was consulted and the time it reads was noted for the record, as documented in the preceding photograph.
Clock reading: 3:38
